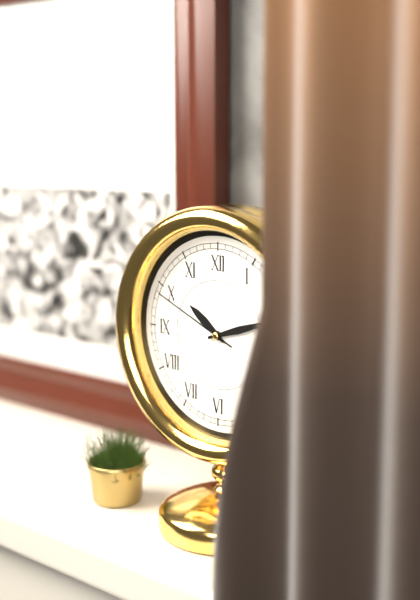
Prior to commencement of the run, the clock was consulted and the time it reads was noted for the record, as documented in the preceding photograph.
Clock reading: 10:12:49
